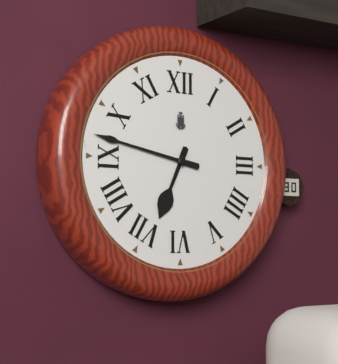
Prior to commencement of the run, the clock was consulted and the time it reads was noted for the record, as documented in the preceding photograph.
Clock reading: 6:47
